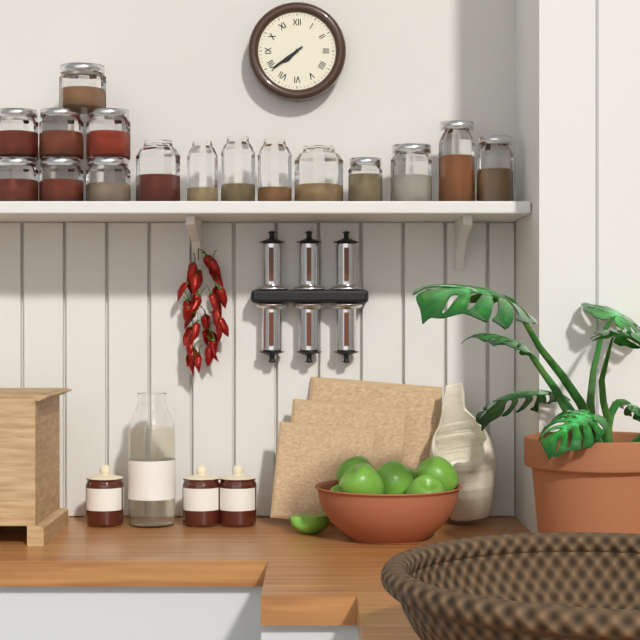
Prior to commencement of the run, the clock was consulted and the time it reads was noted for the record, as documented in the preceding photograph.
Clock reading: 7:39
